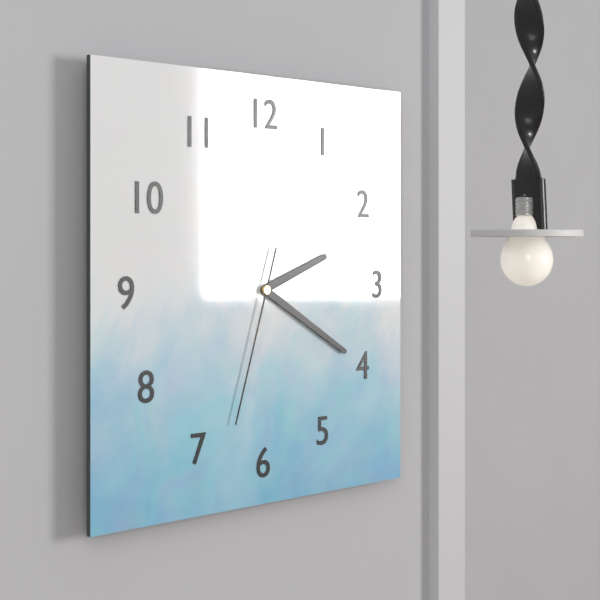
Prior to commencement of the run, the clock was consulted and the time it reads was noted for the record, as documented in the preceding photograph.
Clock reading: 2:20:33
